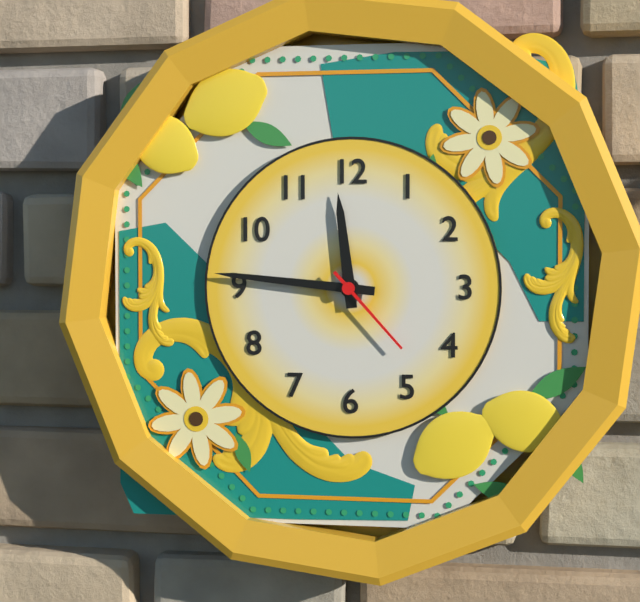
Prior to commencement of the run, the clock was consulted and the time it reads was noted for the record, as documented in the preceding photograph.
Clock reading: 11:46:23
